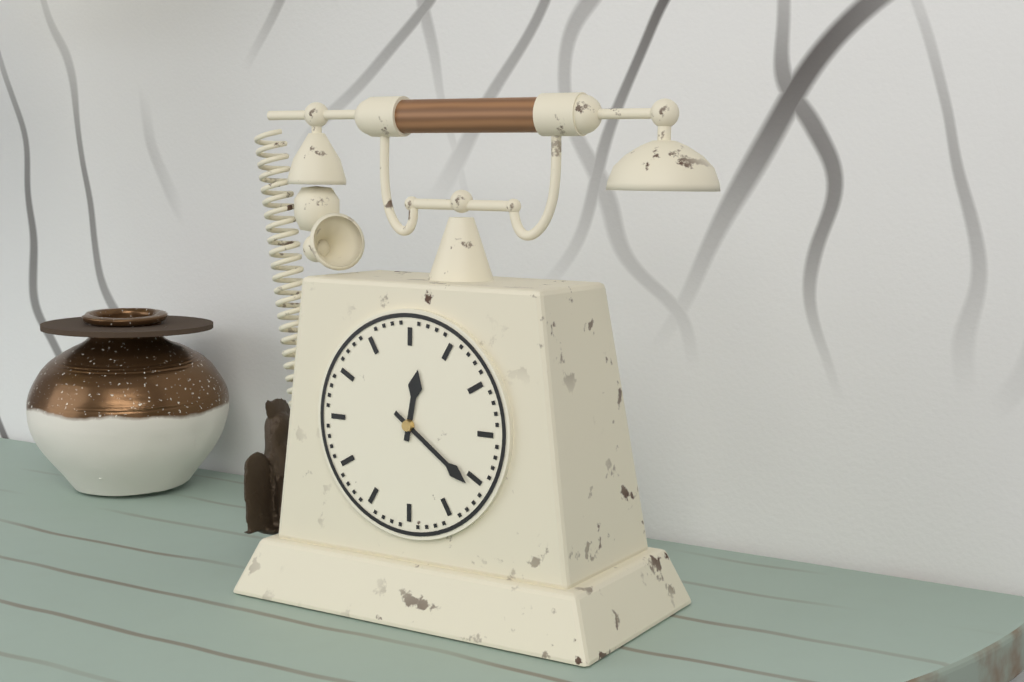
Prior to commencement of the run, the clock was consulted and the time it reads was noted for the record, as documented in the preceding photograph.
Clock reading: 12:21
